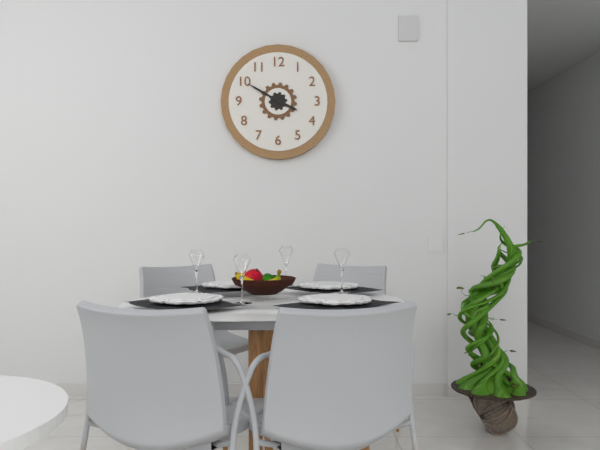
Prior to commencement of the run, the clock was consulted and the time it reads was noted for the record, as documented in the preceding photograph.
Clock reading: 3:50
